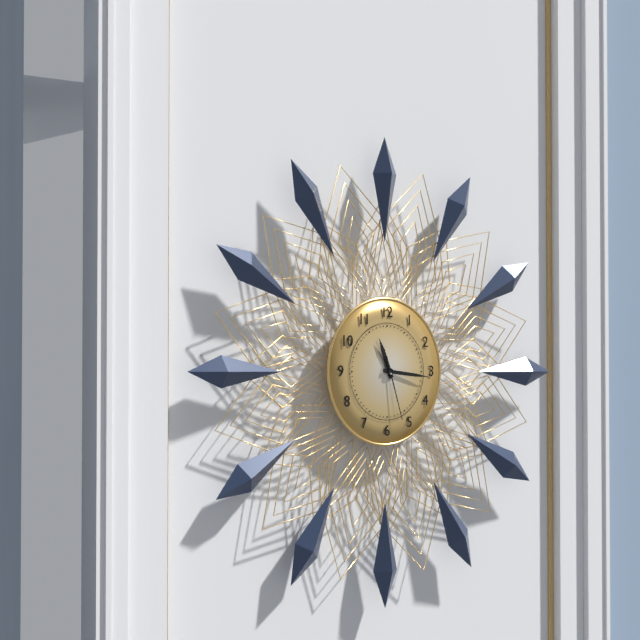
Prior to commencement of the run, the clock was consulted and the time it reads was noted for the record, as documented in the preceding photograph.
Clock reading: 11:16:27
